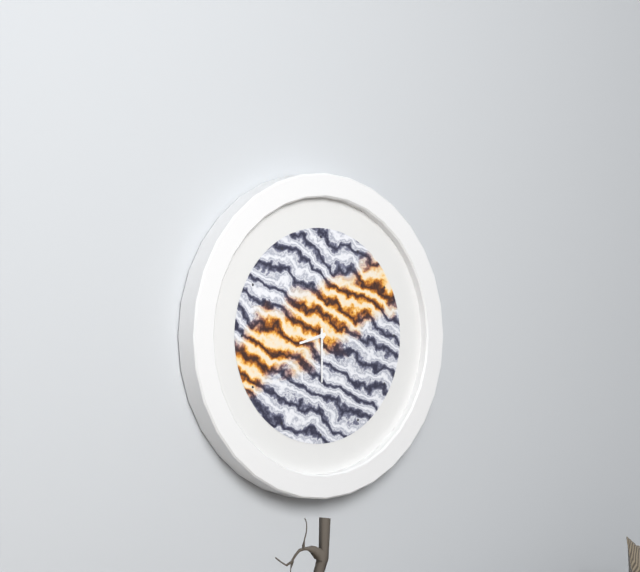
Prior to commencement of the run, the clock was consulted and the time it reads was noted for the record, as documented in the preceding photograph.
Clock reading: 8:30
